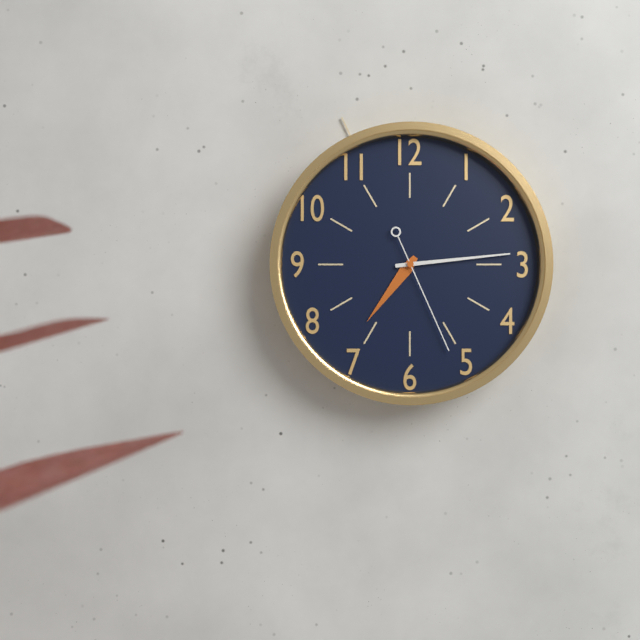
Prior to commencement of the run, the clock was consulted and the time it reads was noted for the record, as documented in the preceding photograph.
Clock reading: 7:14:26
